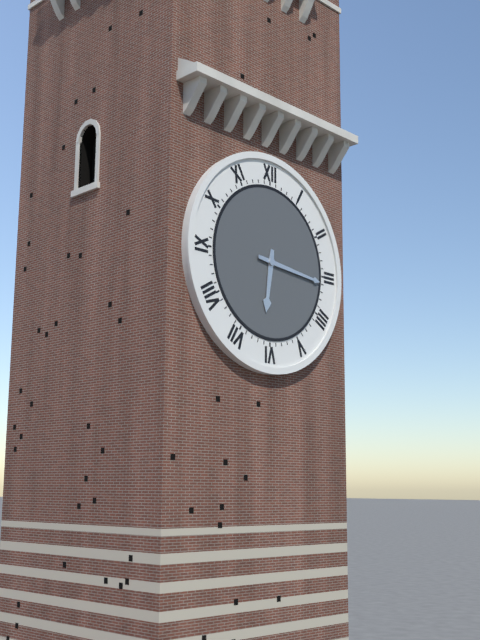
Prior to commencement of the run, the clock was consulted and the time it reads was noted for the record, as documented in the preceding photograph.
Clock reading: 6:16
